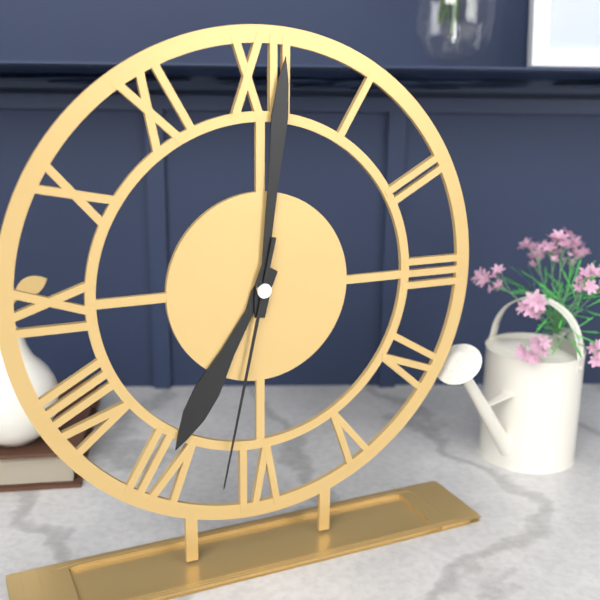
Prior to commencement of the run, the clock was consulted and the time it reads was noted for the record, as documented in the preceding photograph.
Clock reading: 7:01:32
